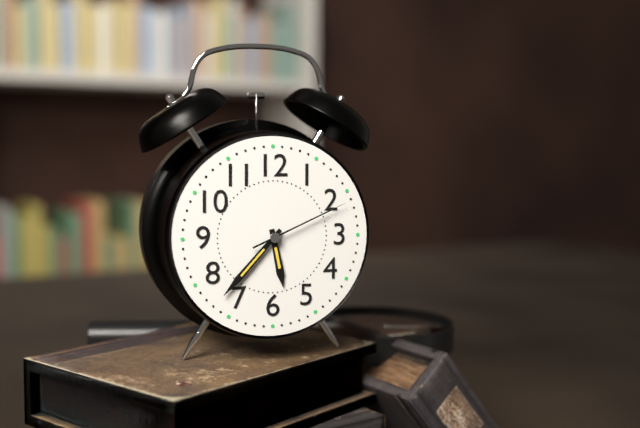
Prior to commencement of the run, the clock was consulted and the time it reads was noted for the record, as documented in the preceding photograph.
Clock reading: 5:37:11
